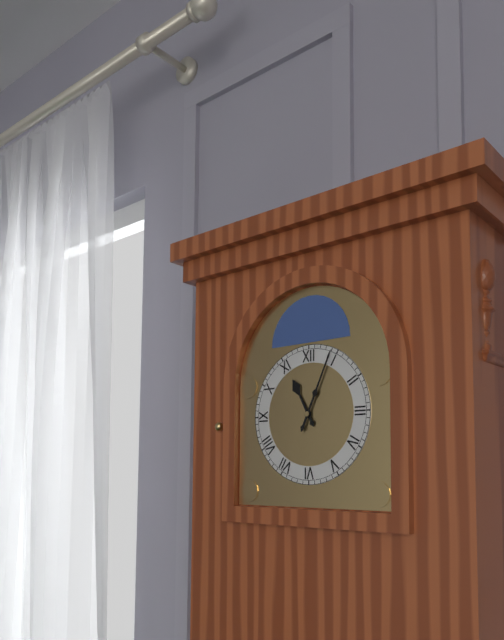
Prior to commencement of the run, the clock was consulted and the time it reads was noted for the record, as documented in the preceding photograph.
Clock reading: 11:04
